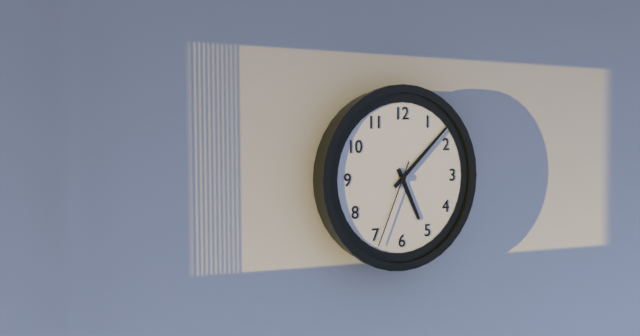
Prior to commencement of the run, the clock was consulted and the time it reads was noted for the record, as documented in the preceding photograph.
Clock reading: 5:08:34
